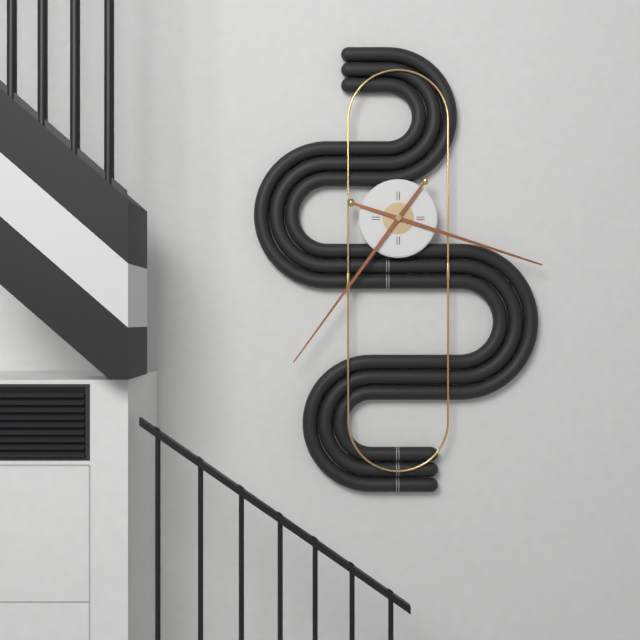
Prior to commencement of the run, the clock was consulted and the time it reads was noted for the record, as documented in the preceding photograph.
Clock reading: 3:36
